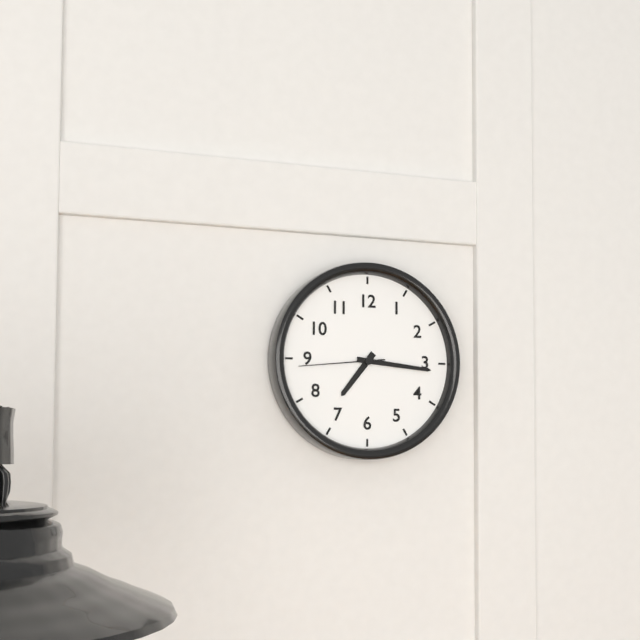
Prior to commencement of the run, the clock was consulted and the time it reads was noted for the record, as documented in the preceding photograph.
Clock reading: 7:16:44
